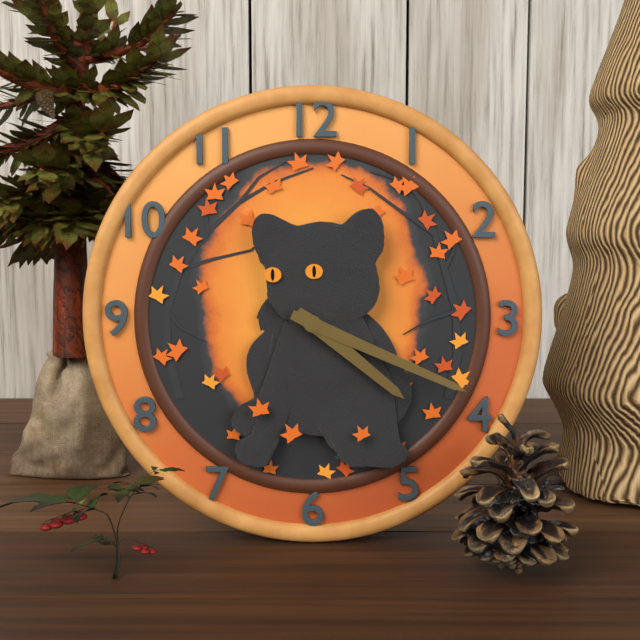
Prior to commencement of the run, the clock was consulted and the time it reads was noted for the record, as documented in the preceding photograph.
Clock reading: 4:19
